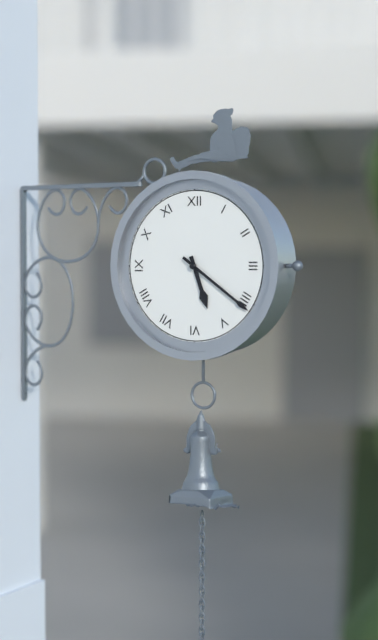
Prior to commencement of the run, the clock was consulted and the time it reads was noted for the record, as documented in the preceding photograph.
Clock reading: 5:21
